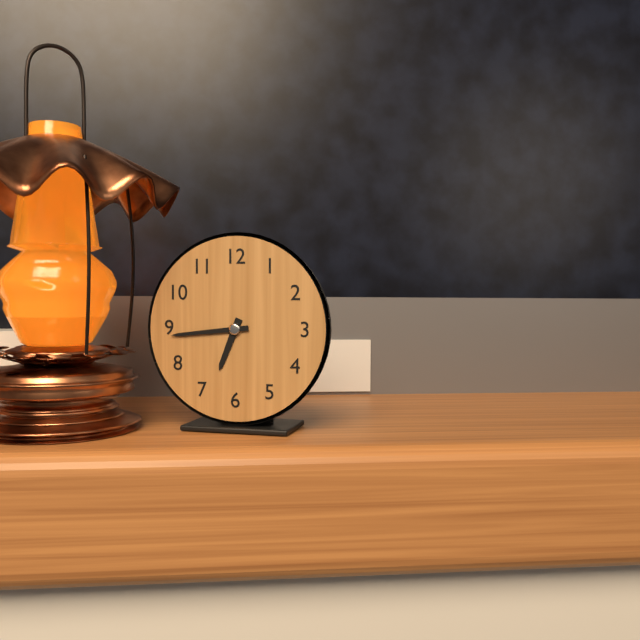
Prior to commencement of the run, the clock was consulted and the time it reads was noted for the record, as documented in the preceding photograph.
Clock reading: 6:44
